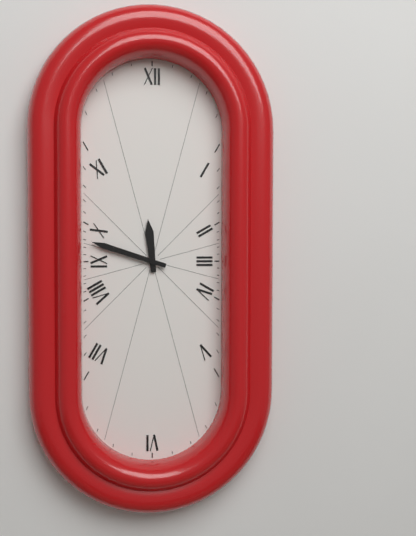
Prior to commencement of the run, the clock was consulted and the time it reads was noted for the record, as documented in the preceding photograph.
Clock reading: 11:48
